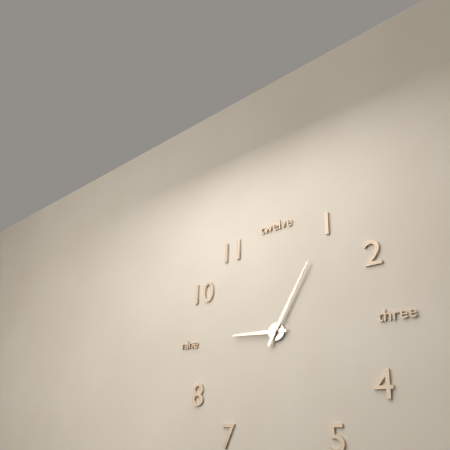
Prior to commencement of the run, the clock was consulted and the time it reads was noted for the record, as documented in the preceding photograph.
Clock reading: 9:05
